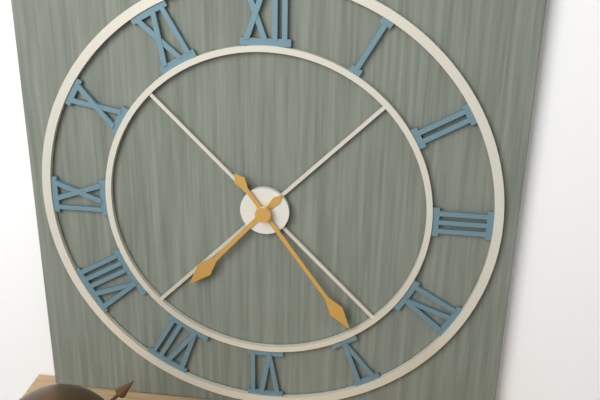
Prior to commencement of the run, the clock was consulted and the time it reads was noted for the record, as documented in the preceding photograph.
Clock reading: 7:24
